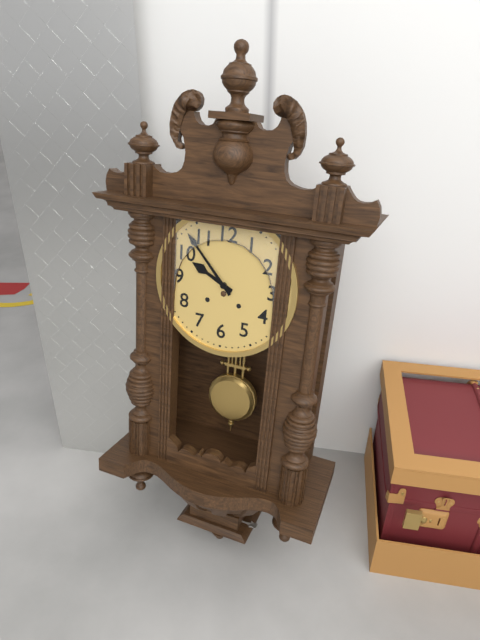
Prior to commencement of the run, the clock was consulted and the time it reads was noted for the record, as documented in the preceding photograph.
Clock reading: 9:53
